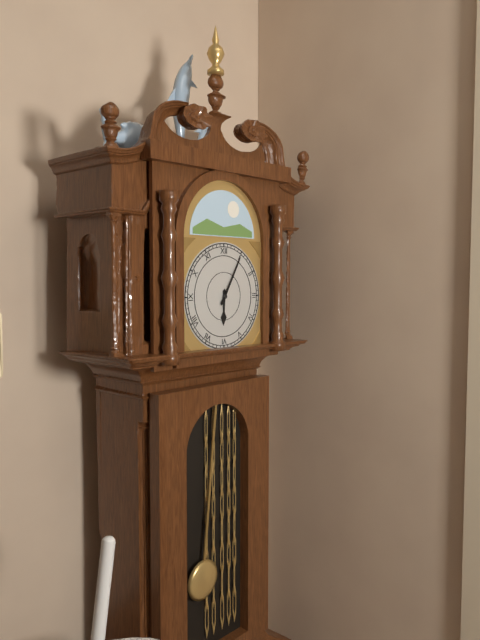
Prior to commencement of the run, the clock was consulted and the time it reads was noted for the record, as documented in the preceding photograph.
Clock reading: 6:05
